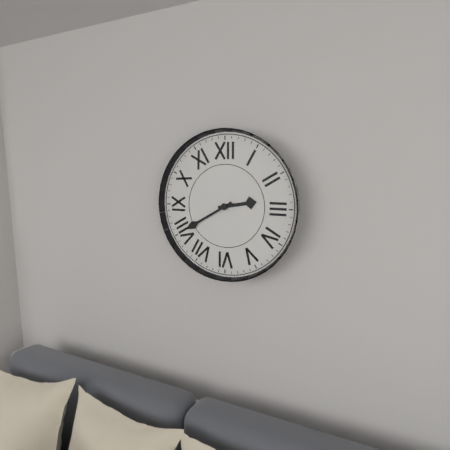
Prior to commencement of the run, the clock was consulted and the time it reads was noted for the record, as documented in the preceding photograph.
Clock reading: 2:40
